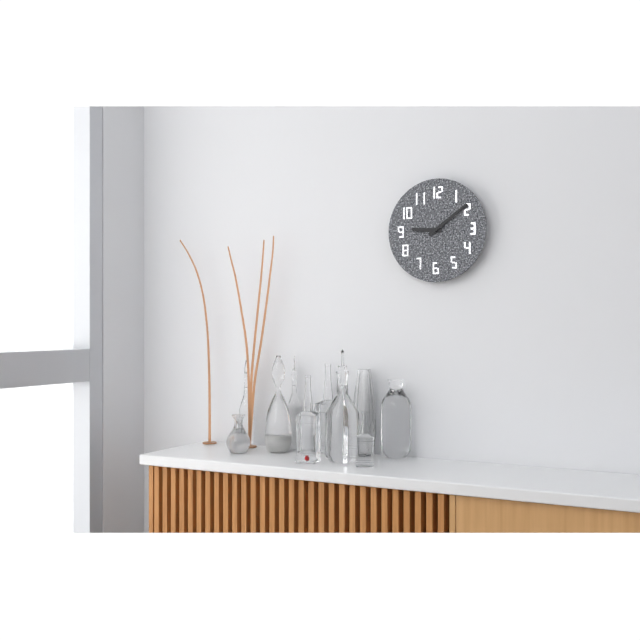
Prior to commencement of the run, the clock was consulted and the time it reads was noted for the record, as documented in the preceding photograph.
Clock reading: 9:09
